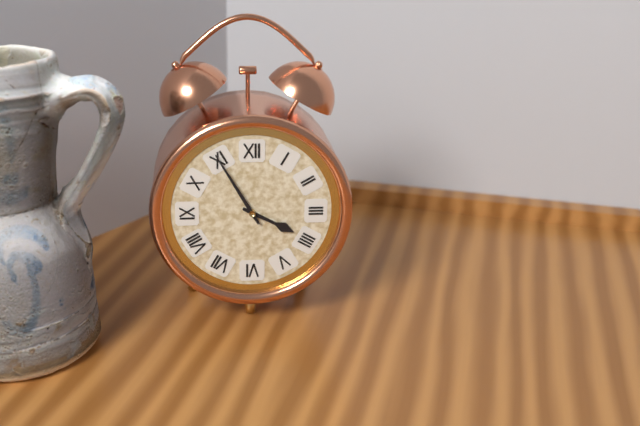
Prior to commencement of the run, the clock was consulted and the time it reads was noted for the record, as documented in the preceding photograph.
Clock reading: 3:55
